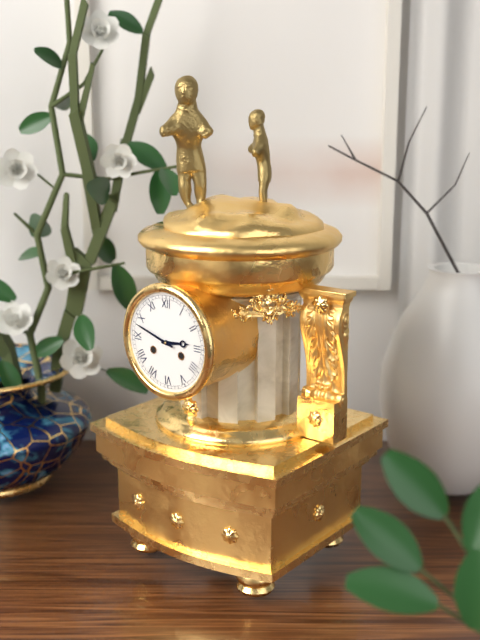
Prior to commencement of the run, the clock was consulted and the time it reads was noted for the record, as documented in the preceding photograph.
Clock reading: 2:48
